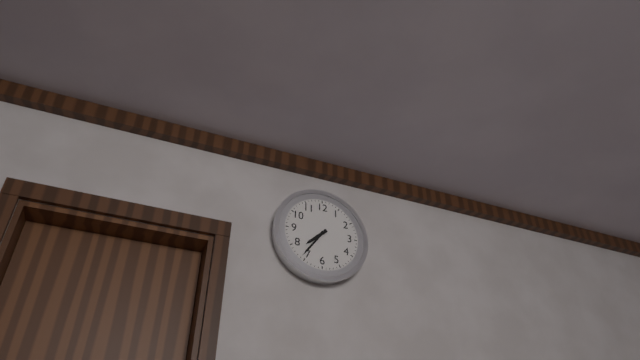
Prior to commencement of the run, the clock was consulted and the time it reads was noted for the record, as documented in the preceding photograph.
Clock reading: 7:36
